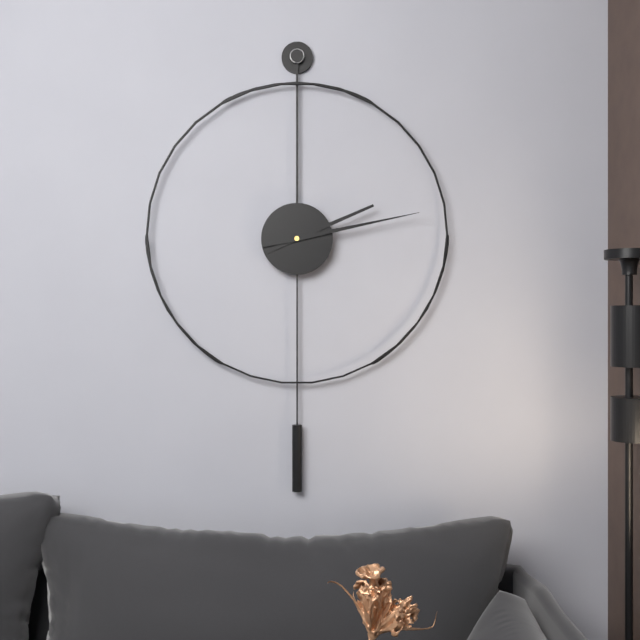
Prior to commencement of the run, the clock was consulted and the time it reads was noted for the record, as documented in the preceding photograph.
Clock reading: 2:13
